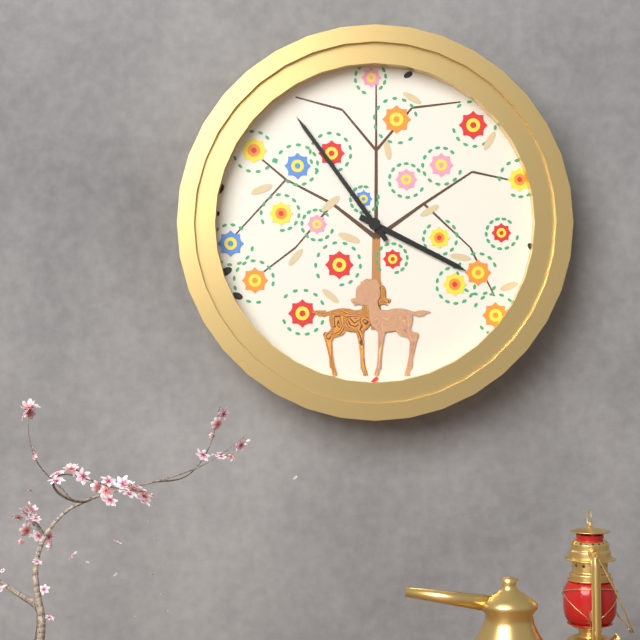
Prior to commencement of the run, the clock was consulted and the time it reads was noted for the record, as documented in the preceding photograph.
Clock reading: 3:54
